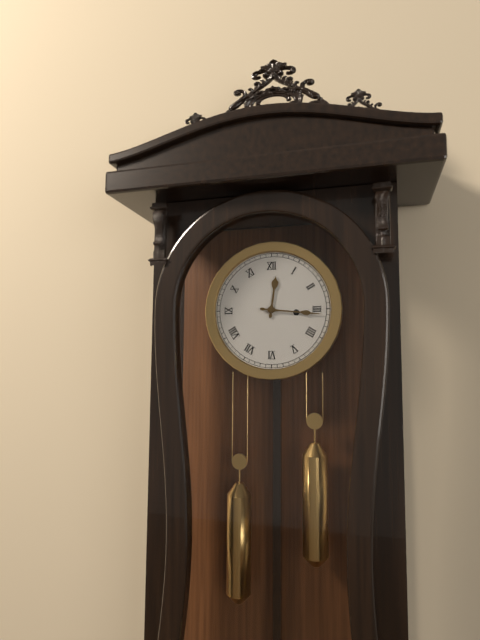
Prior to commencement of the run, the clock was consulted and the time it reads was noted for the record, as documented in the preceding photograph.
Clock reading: 12:16
